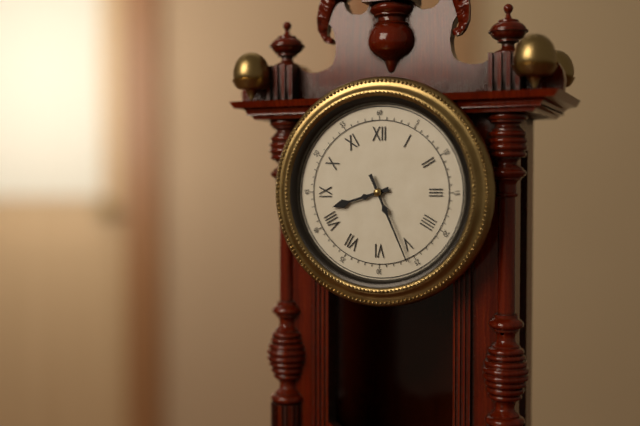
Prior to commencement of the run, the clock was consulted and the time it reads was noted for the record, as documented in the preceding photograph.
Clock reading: 8:26
